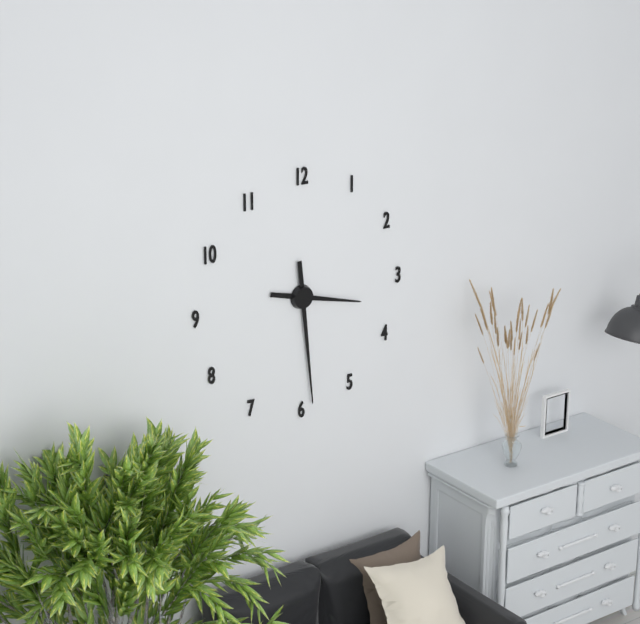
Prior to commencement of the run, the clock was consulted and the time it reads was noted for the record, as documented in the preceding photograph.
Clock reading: 3:29
